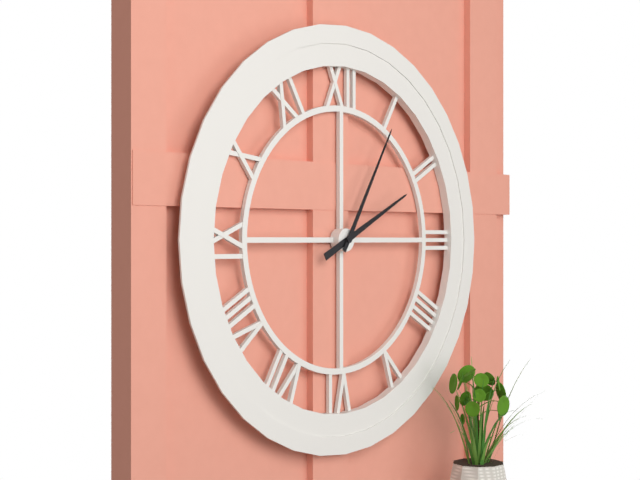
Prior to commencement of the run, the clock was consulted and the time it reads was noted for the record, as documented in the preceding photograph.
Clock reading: 2:05
